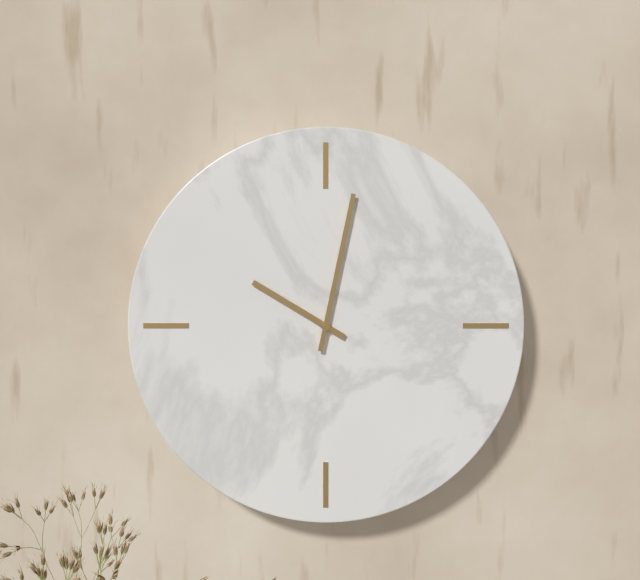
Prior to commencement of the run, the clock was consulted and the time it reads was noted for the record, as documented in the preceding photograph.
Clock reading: 10:02
